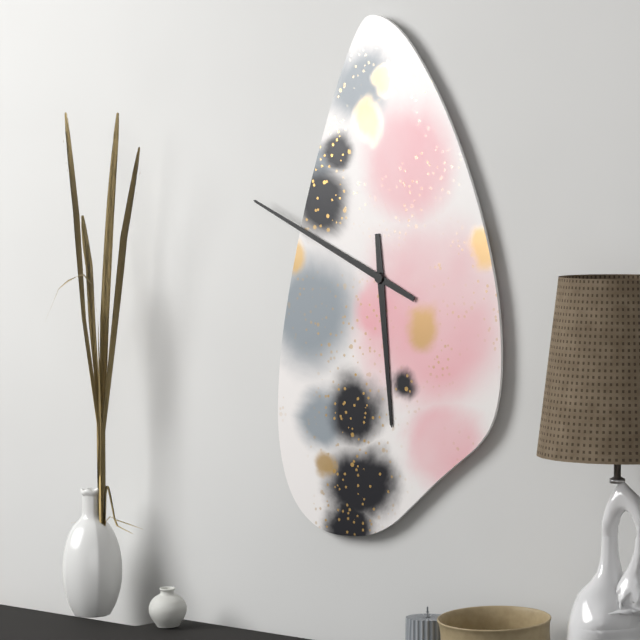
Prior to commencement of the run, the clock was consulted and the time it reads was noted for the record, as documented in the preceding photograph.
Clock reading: 5:49
